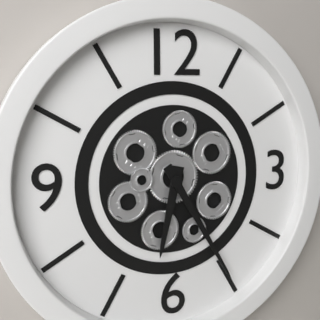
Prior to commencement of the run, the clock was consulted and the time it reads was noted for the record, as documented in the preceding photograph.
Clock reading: 6:25
